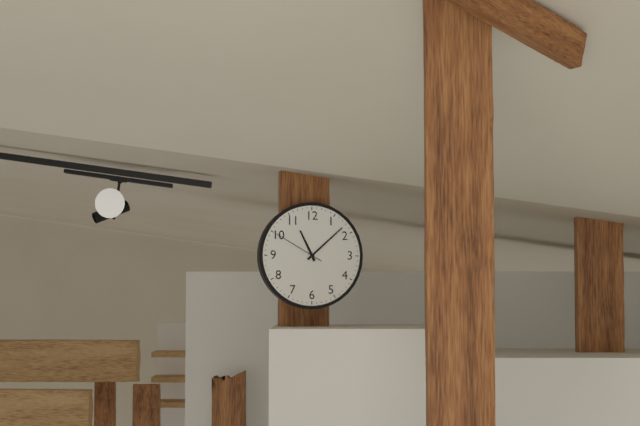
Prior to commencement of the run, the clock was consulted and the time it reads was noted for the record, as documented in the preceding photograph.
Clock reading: 11:08:50
